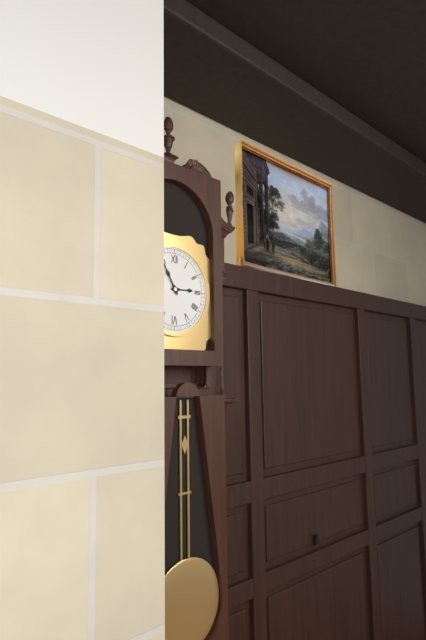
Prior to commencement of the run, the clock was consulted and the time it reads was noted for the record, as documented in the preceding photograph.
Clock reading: 2:55
